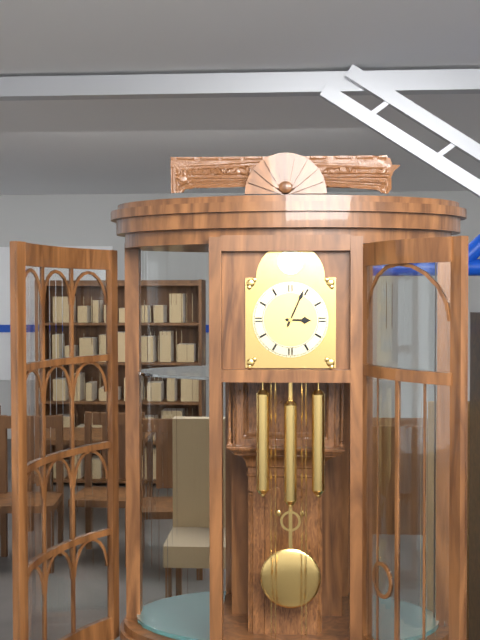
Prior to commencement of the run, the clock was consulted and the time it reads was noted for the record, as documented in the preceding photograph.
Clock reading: 3:04
